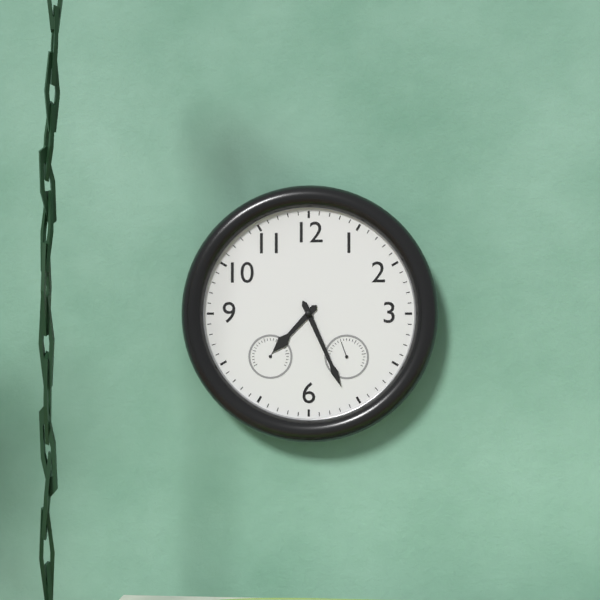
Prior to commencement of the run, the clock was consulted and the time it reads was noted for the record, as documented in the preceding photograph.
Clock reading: 7:26
